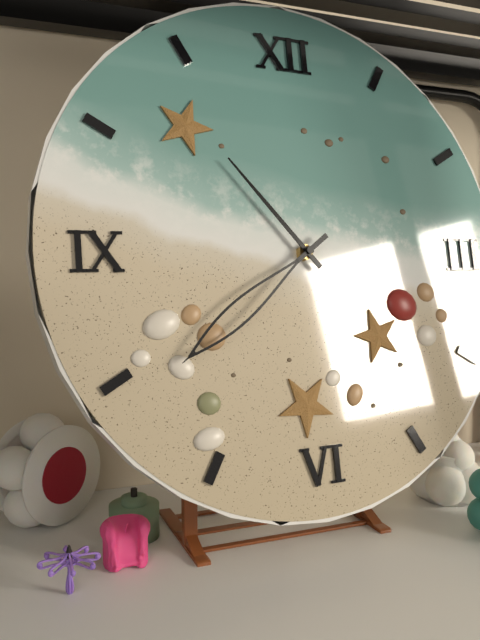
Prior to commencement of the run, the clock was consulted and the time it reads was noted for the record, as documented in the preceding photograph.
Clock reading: 10:39
